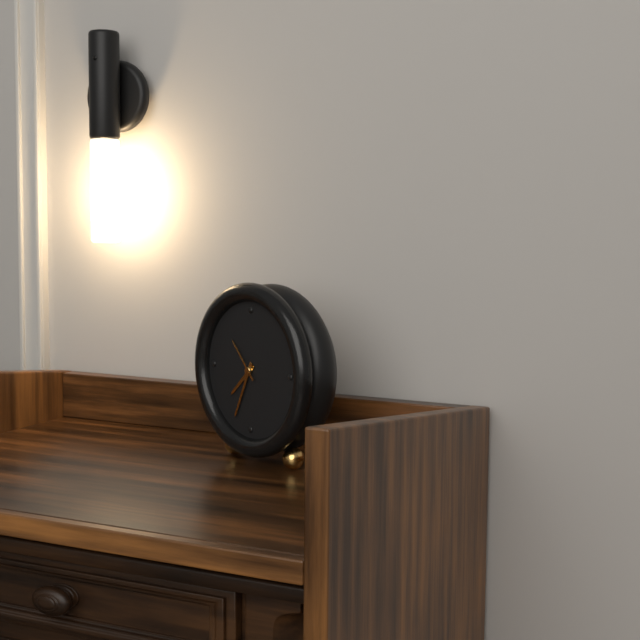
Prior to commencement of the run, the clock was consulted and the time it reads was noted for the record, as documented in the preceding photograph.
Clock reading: 7:34
